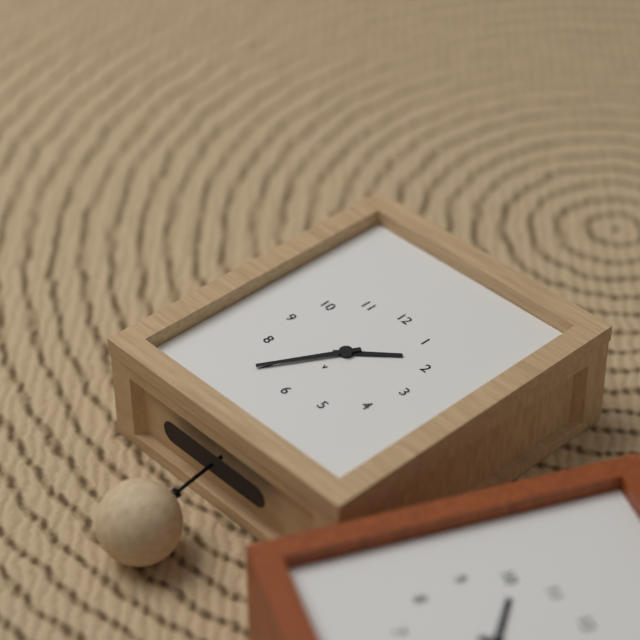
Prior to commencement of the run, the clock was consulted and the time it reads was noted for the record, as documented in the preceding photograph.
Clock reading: 1:35
